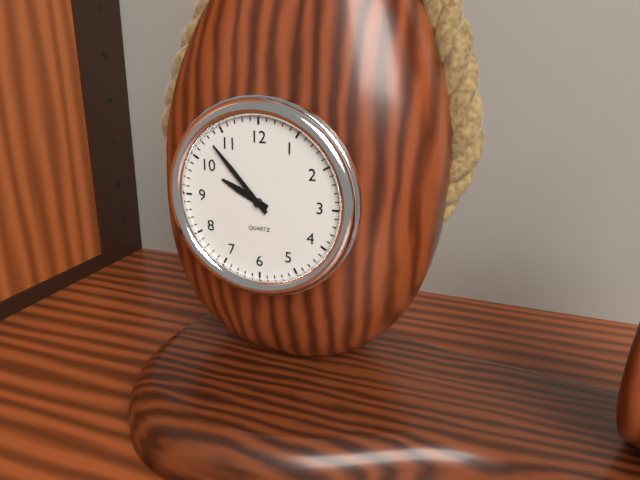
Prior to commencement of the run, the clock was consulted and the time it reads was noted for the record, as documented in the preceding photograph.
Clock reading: 9:53
